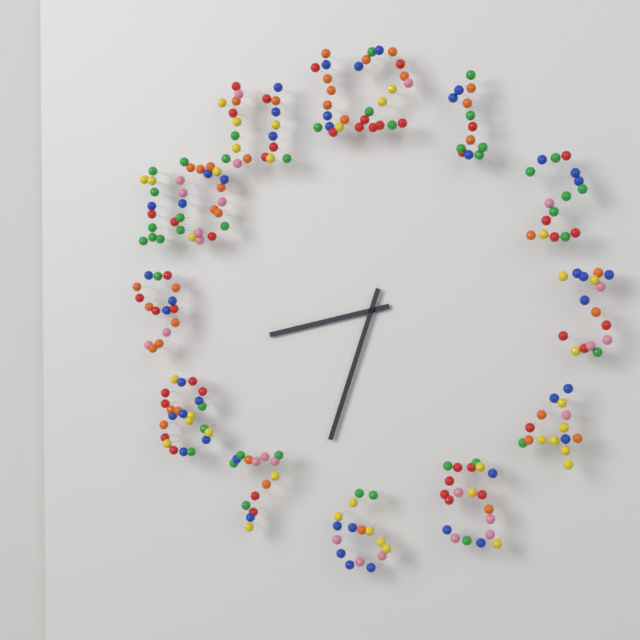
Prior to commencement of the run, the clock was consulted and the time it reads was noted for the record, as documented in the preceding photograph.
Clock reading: 8:33
